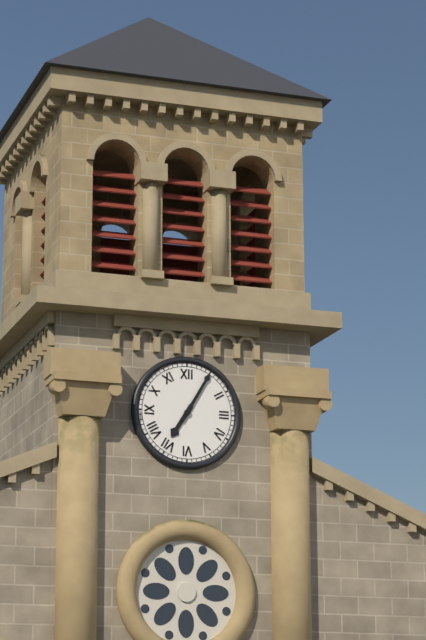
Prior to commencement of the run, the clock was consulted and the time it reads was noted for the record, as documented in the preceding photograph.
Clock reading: 7:05
